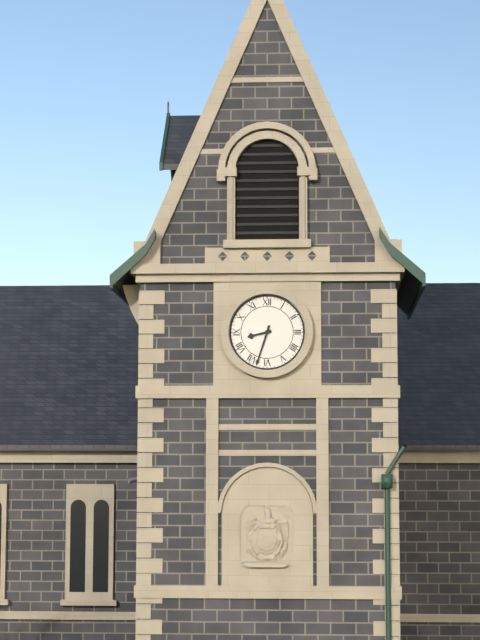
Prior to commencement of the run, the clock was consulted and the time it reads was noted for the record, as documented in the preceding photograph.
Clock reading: 8:33
